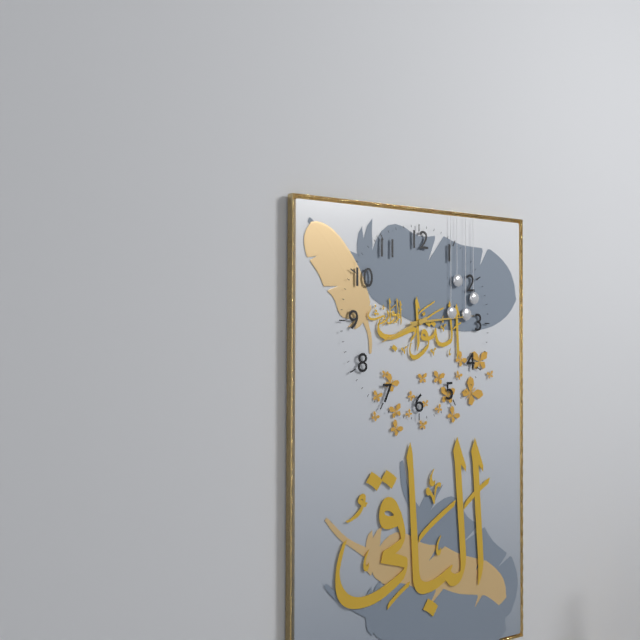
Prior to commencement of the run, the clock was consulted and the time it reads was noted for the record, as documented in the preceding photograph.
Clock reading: 8:14
